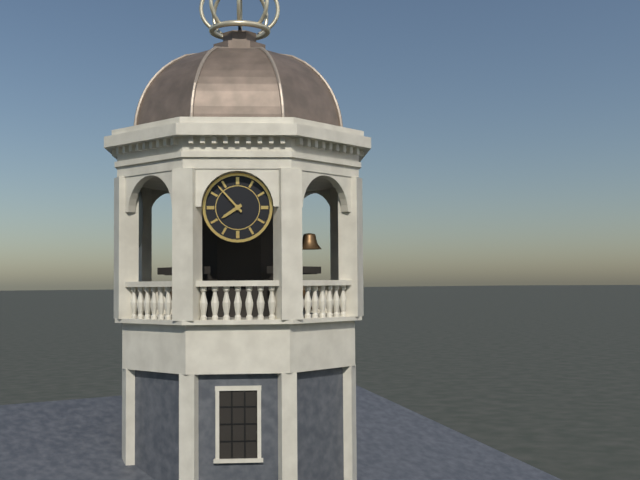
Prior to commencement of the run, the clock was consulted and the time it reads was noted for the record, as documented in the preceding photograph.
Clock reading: 7:53
